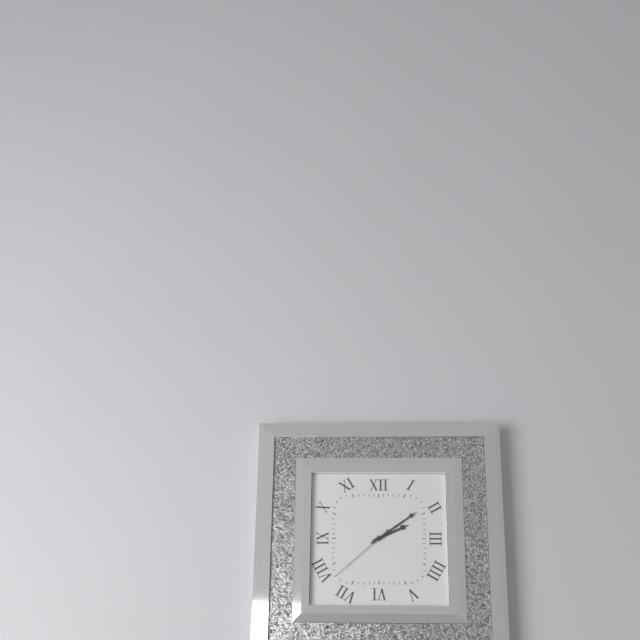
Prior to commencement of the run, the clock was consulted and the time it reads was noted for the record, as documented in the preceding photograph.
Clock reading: 2:09:38
